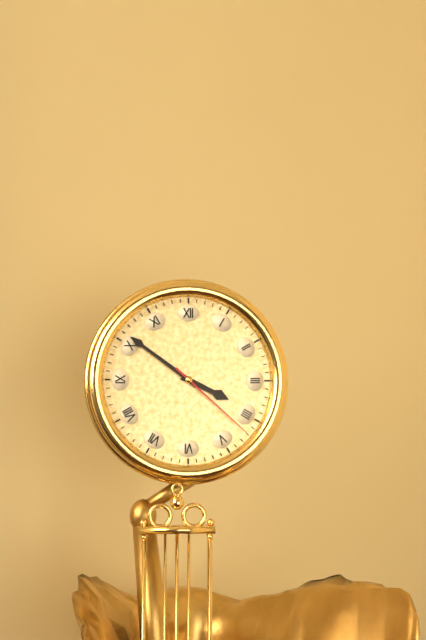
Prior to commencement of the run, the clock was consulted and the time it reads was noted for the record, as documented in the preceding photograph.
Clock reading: 3:51:22
